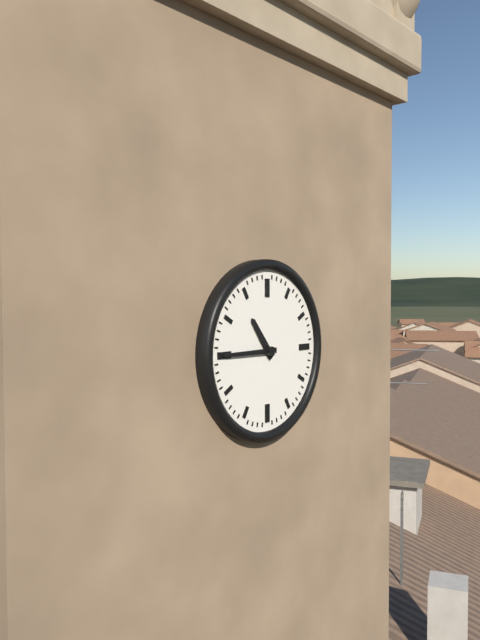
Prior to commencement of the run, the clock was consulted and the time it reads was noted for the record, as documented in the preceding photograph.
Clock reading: 10:45
